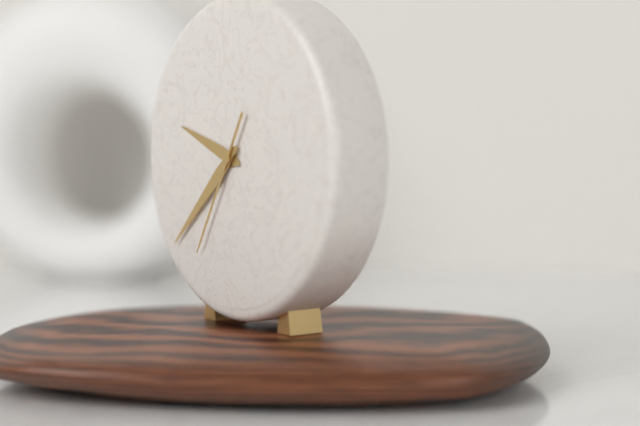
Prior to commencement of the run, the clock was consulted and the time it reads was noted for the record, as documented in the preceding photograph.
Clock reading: 9:38:35
